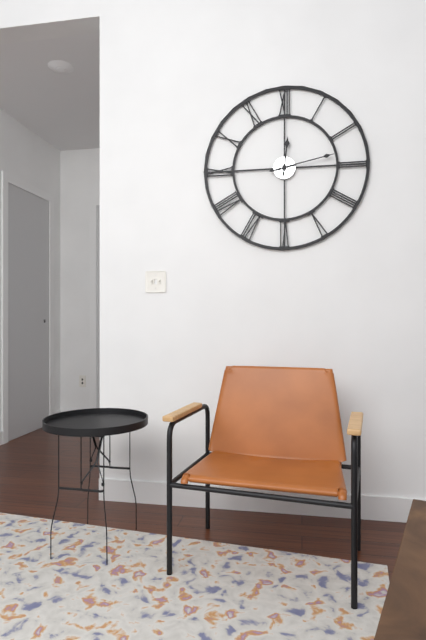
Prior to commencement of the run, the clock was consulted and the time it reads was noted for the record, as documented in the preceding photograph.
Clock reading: 12:13
